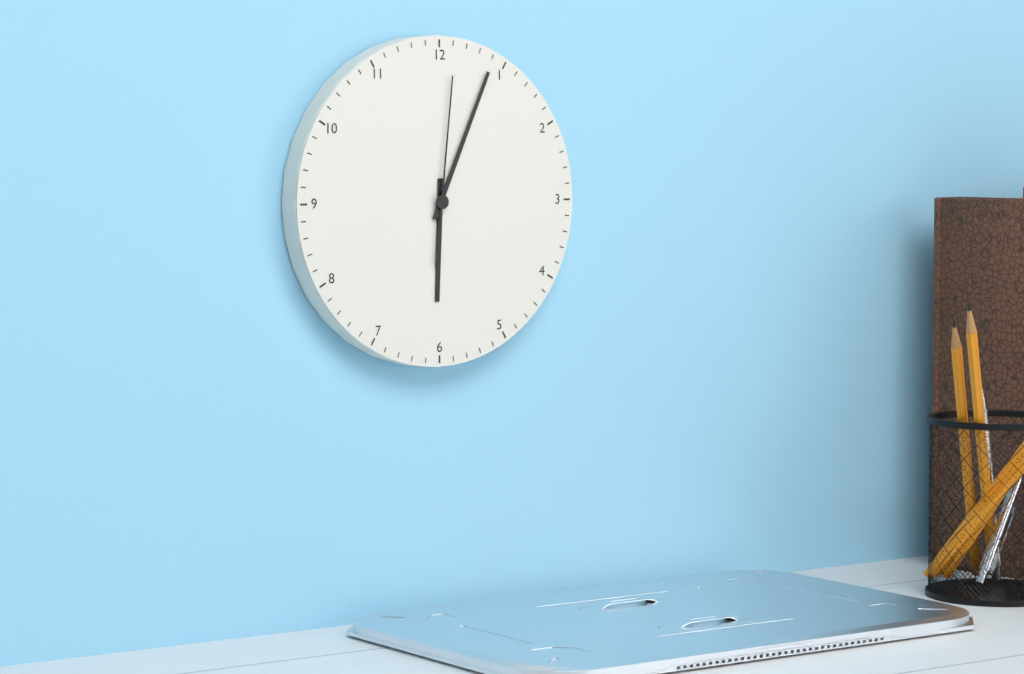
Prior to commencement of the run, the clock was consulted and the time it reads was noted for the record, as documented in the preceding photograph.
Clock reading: 6:04:01
